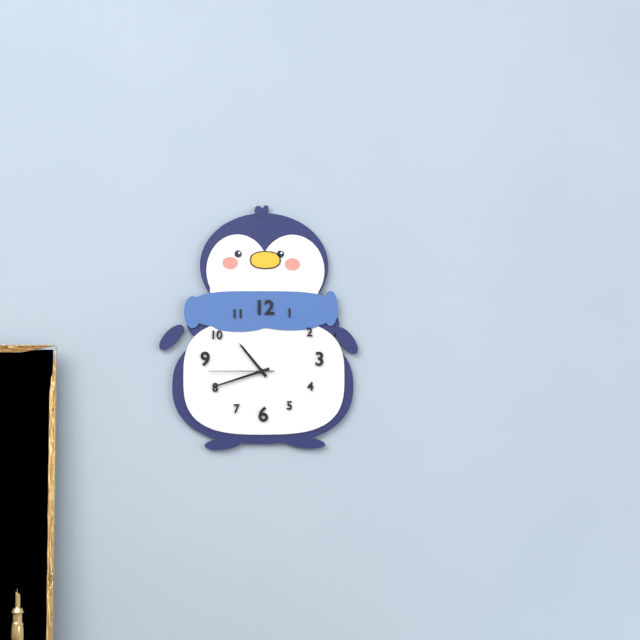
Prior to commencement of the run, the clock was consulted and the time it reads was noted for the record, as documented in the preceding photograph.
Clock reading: 10:42:45
